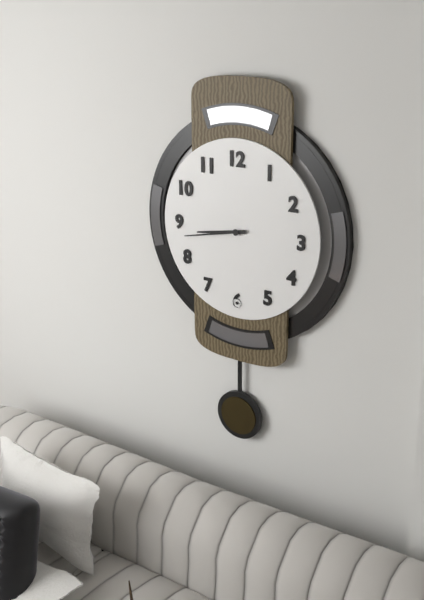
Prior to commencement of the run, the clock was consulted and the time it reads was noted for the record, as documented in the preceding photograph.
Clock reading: 8:43
